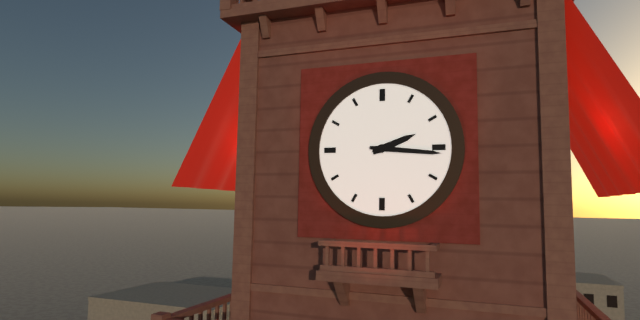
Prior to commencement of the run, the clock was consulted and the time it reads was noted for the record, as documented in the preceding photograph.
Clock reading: 2:16
